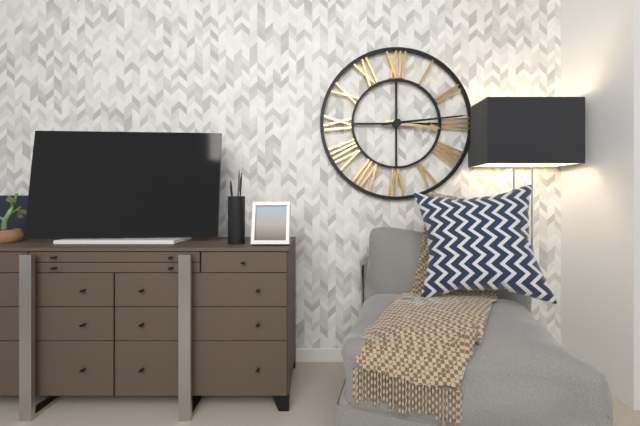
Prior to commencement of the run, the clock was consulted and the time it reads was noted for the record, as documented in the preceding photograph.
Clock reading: 3:14
